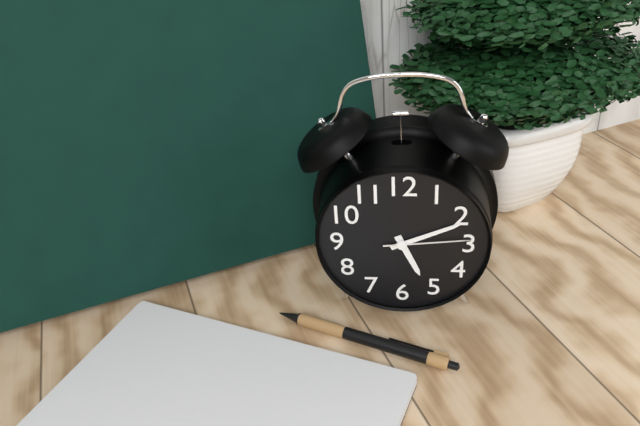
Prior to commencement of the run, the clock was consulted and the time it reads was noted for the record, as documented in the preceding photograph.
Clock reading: 5:11:14
